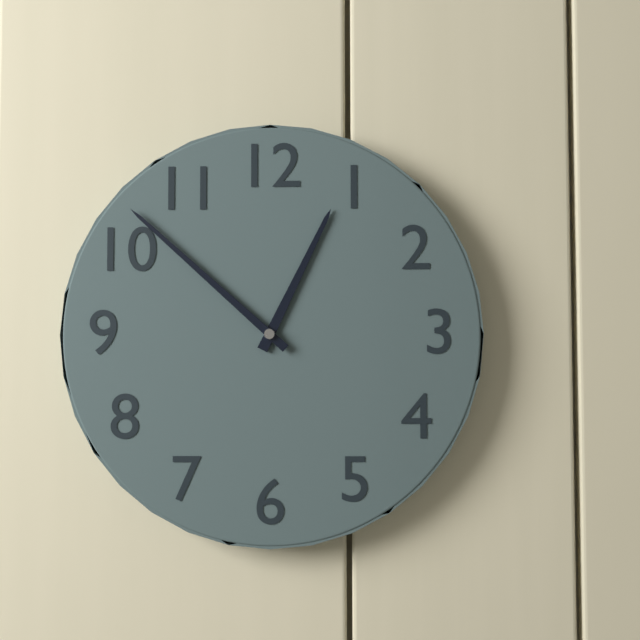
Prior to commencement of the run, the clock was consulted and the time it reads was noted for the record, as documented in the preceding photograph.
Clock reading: 12:52
